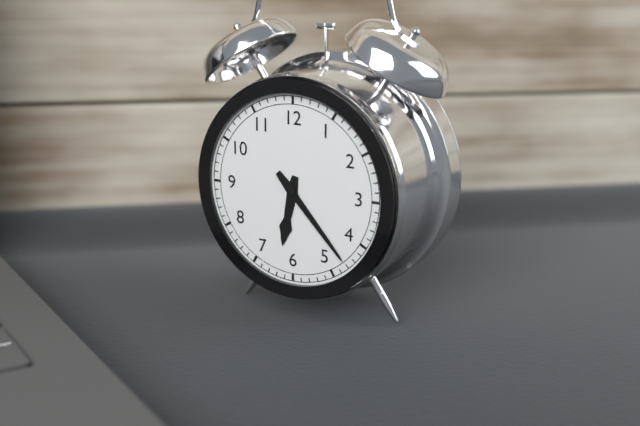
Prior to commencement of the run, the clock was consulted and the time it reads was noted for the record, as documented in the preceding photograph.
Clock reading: 6:23
